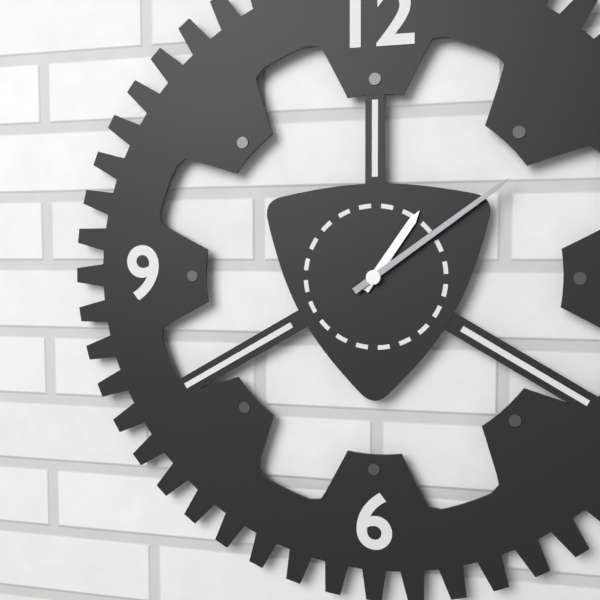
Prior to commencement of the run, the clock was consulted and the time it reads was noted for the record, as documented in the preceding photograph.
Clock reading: 1:09
